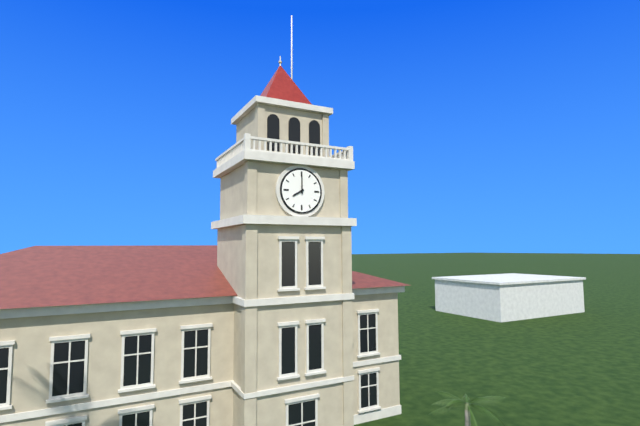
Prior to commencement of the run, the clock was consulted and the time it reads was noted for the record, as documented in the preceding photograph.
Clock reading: 8:00
